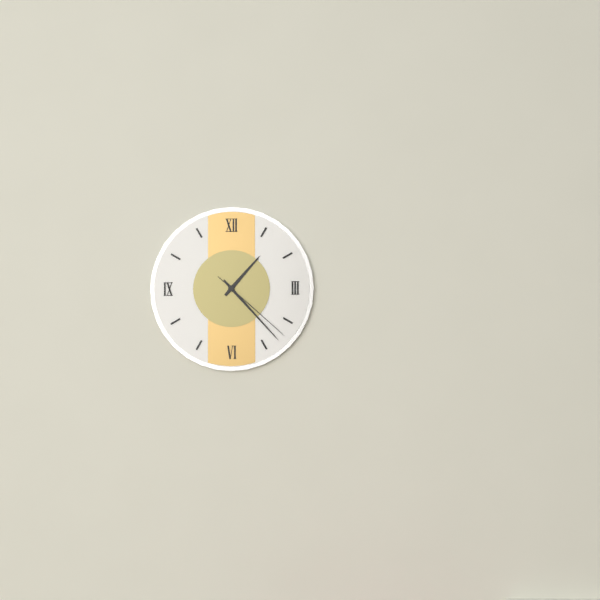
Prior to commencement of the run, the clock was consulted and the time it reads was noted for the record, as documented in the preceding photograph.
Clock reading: 1:23:22
